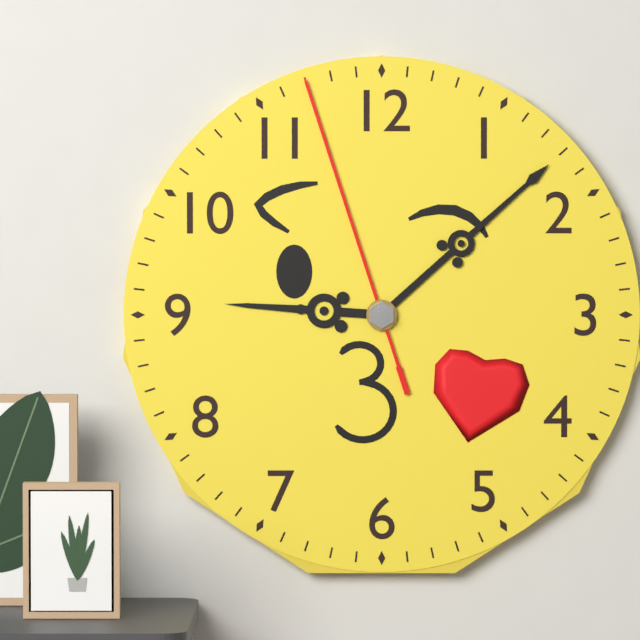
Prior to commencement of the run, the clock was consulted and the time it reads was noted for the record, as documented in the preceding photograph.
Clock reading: 9:08:57
